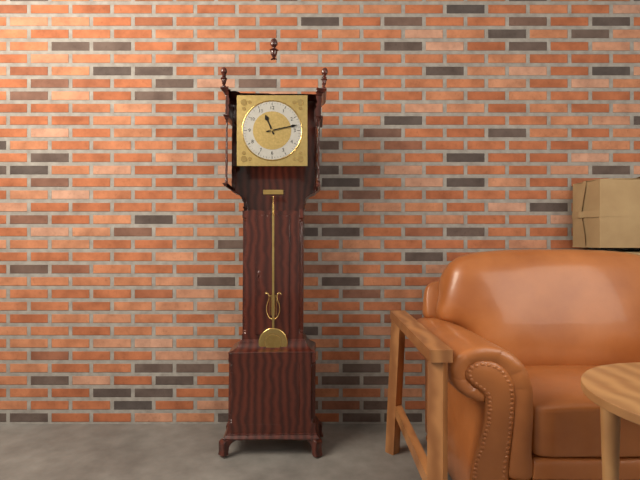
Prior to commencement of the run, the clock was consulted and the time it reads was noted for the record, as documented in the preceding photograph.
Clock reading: 11:13
